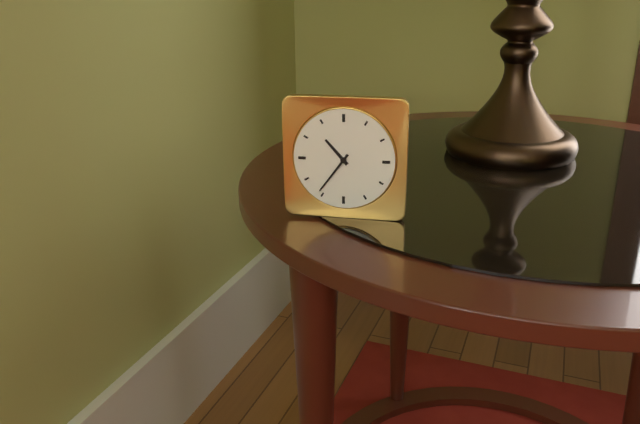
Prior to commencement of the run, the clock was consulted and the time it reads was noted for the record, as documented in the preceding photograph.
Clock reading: 10:36
